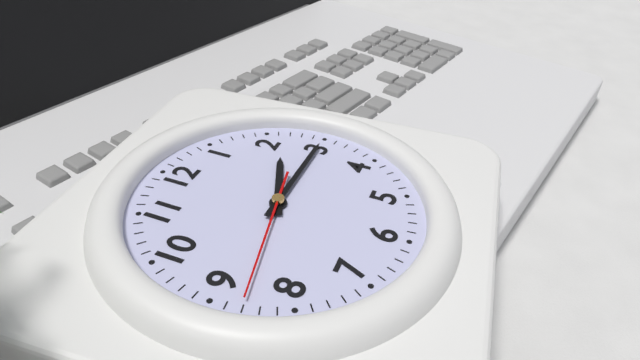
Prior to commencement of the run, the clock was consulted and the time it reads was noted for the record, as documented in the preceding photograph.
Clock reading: 2:15:43
